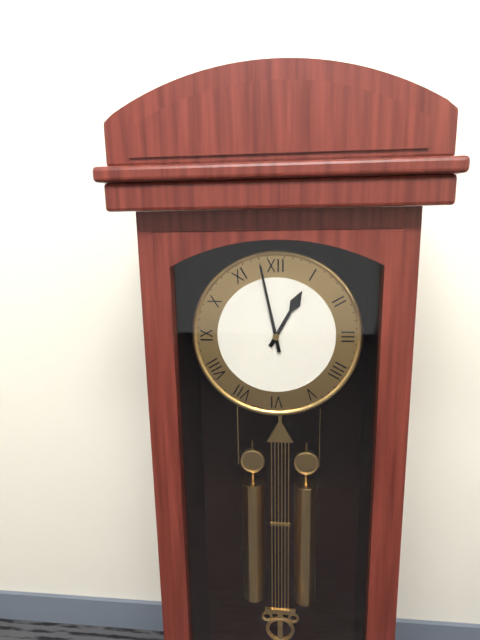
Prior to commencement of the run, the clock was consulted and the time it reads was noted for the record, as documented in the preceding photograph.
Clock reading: 12:58
